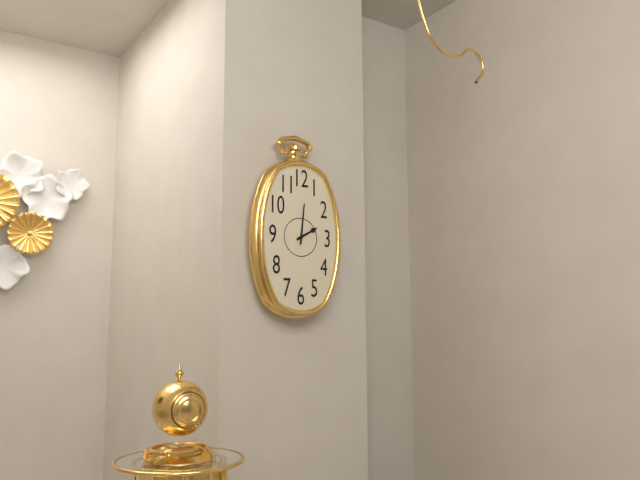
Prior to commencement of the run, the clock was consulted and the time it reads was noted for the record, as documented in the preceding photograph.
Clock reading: 2:01
